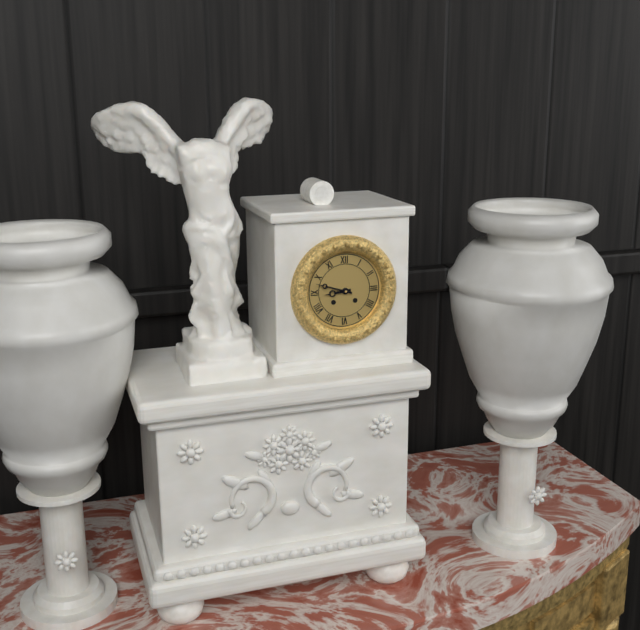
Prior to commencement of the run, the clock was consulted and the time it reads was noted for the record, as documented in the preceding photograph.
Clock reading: 8:48
